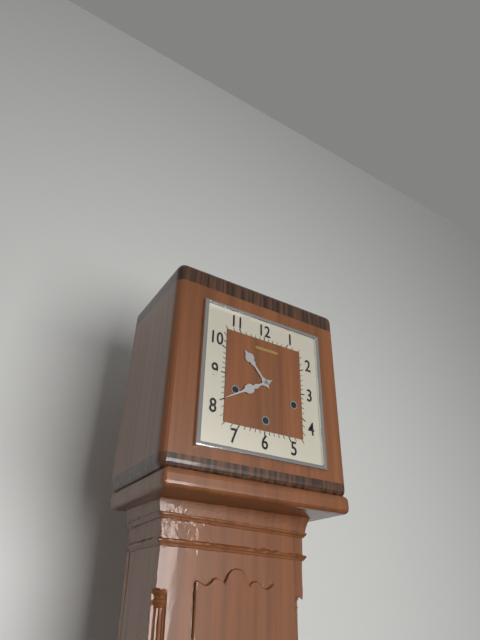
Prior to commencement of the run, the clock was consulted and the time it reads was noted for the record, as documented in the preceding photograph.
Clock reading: 10:40
